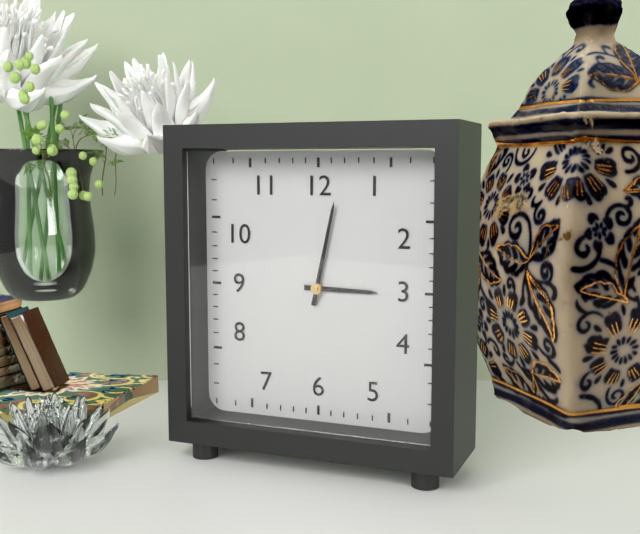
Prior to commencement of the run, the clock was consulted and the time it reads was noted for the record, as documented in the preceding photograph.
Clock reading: 3:02
